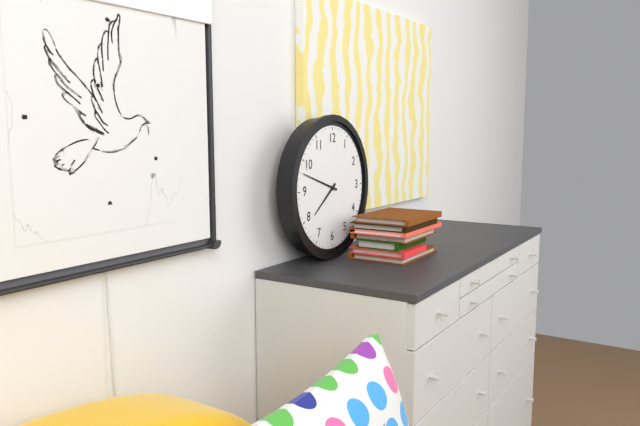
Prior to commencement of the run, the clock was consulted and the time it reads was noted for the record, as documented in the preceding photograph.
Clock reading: 7:48
